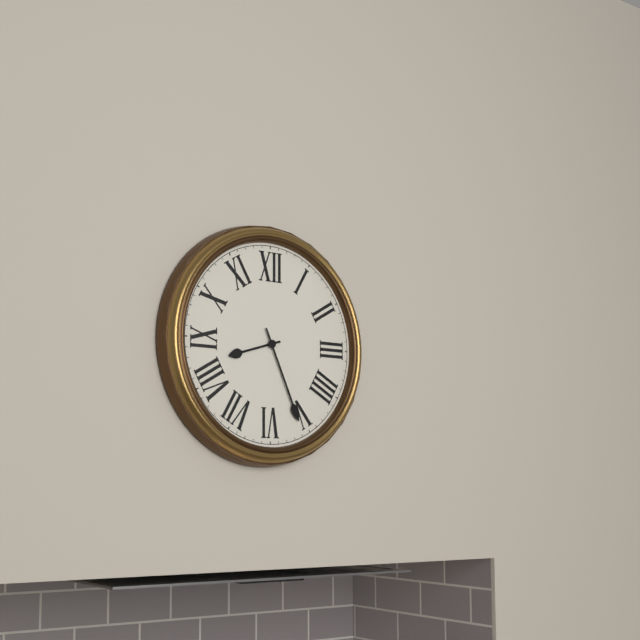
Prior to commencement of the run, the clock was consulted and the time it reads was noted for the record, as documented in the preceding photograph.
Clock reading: 8:26
